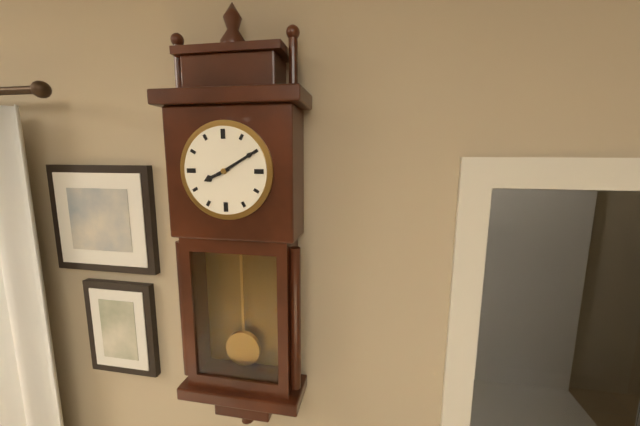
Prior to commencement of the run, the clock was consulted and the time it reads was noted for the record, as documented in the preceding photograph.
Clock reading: 8:10
